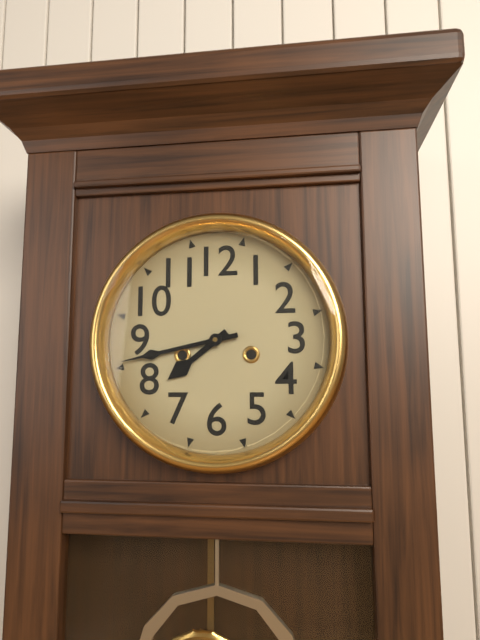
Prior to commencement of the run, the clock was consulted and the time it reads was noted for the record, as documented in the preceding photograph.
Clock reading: 7:43
